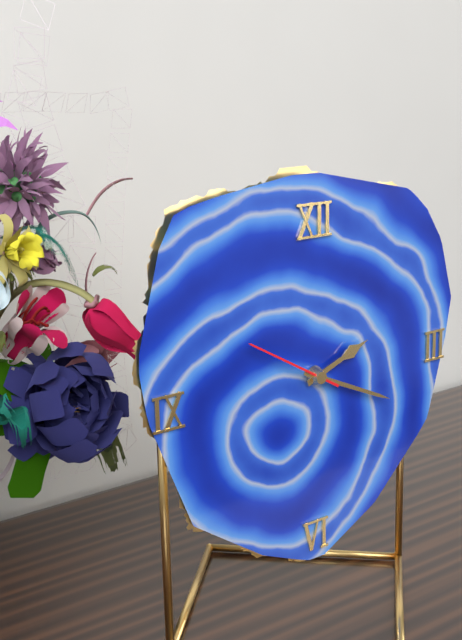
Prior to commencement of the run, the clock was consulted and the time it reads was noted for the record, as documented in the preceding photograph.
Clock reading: 2:19:50
